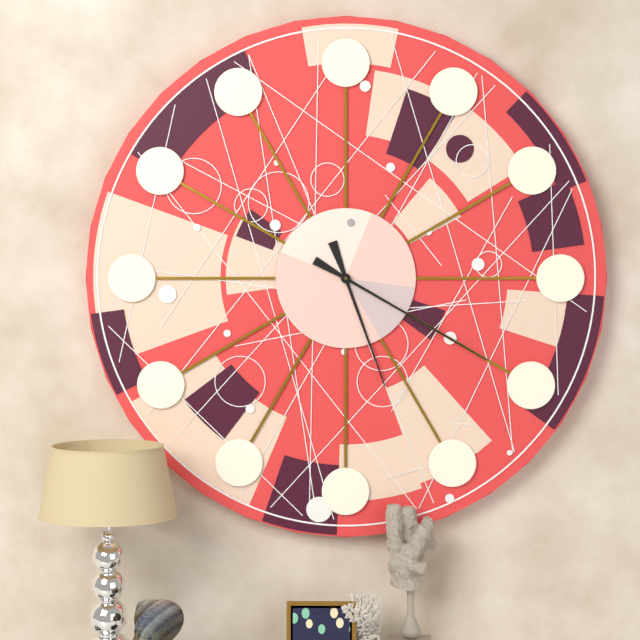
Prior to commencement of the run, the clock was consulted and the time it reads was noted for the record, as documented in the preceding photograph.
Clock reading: 5:20
